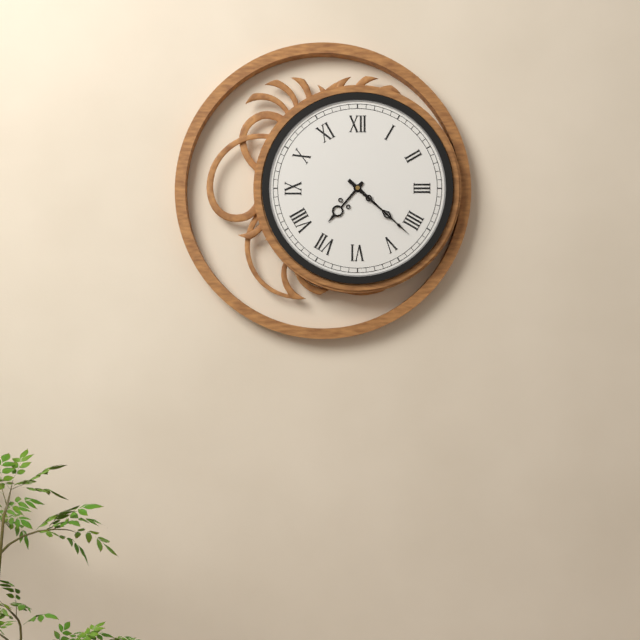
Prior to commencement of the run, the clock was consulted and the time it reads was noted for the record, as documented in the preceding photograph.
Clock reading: 7:22
